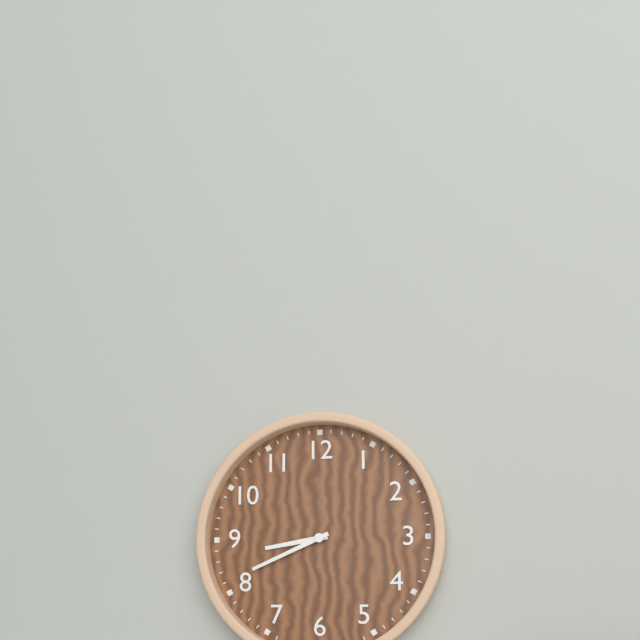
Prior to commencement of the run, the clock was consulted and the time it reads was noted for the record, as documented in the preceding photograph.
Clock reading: 8:41
